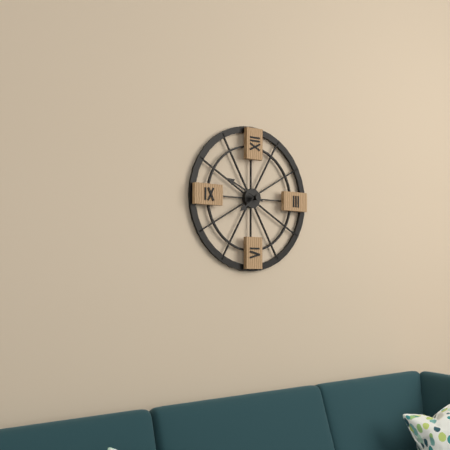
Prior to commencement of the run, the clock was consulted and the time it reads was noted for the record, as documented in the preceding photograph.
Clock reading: 7:49
